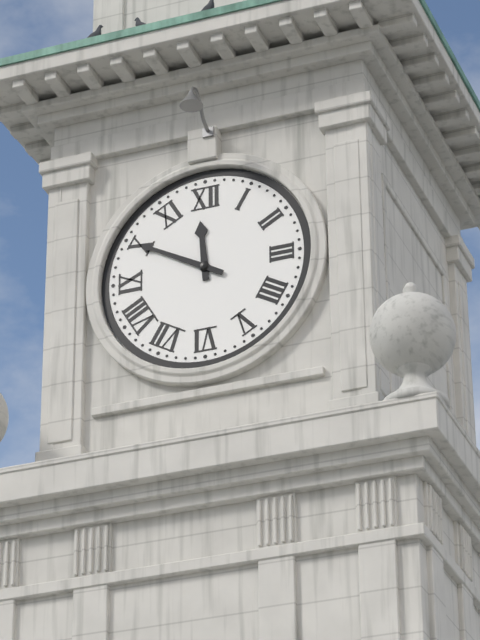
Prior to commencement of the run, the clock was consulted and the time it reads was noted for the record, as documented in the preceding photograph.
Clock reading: 11:50
